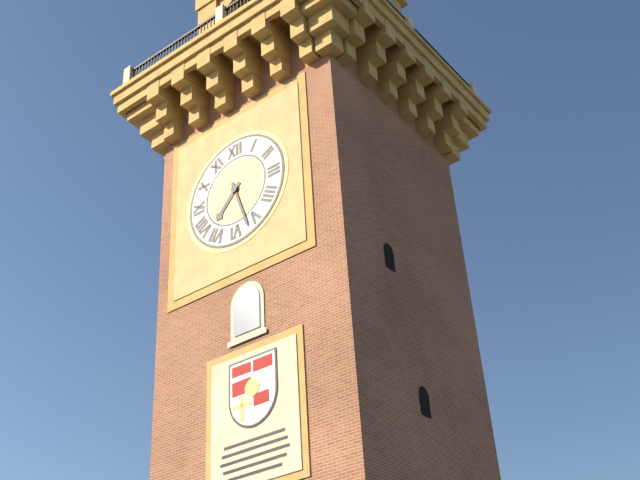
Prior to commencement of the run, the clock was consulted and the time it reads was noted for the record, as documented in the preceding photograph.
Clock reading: 7:27
